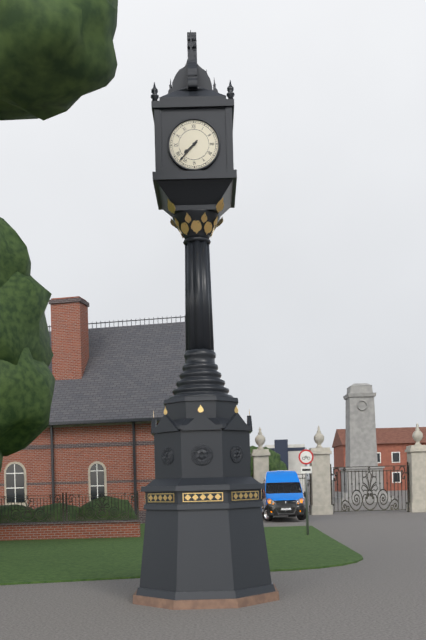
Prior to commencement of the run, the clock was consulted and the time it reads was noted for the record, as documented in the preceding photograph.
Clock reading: 7:37
